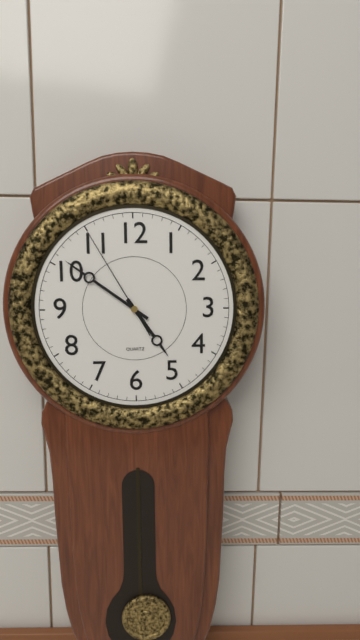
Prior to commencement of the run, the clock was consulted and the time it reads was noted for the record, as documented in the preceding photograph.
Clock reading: 4:51:55
